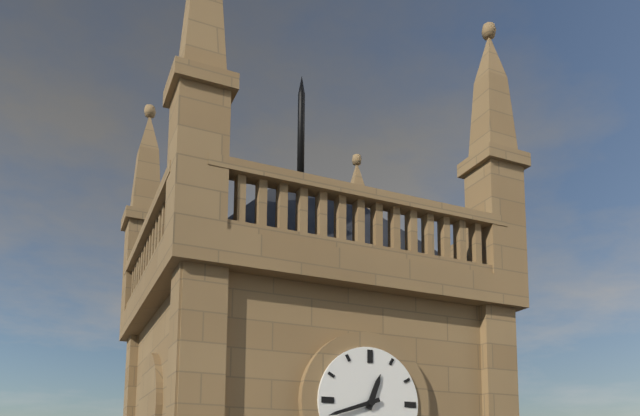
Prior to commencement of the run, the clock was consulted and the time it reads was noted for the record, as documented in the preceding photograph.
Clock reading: 12:42
